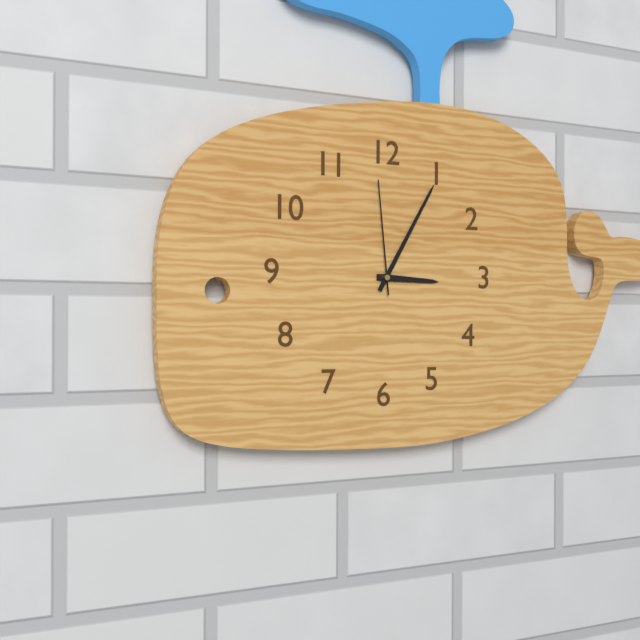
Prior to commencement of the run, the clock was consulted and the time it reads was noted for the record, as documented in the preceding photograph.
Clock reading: 3:05:59
